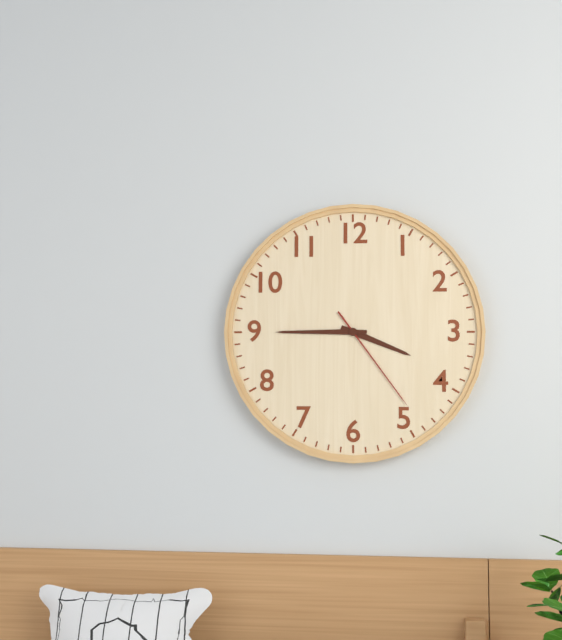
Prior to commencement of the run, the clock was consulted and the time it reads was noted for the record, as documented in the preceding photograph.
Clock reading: 3:45:24
